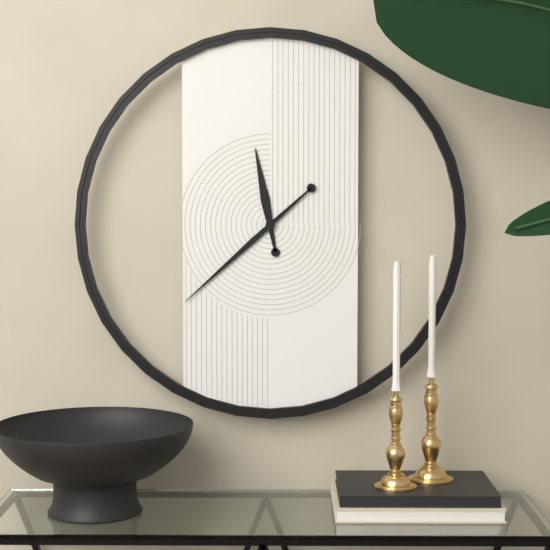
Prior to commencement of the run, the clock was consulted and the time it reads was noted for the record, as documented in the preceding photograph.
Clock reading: 11:38
